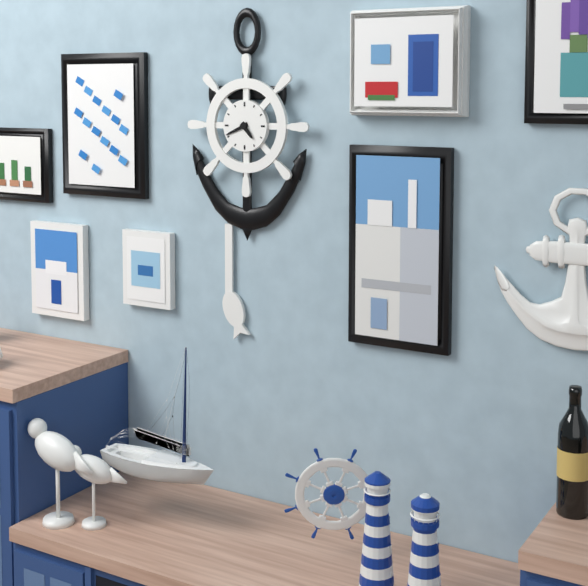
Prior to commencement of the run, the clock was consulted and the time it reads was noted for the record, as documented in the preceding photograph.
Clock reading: 4:41
